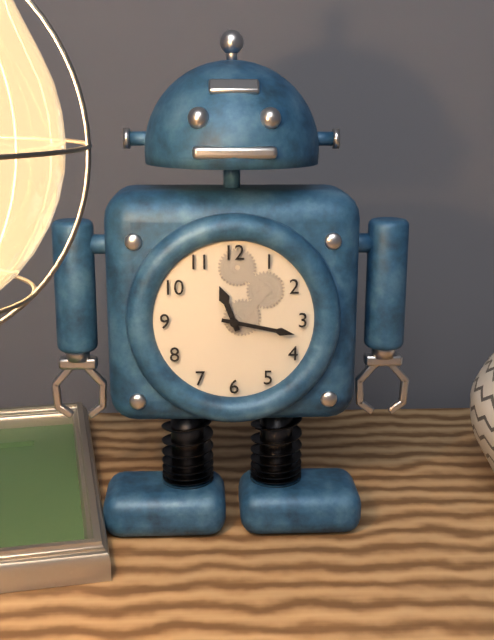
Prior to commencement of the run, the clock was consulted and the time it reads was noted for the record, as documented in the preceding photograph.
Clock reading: 11:17
